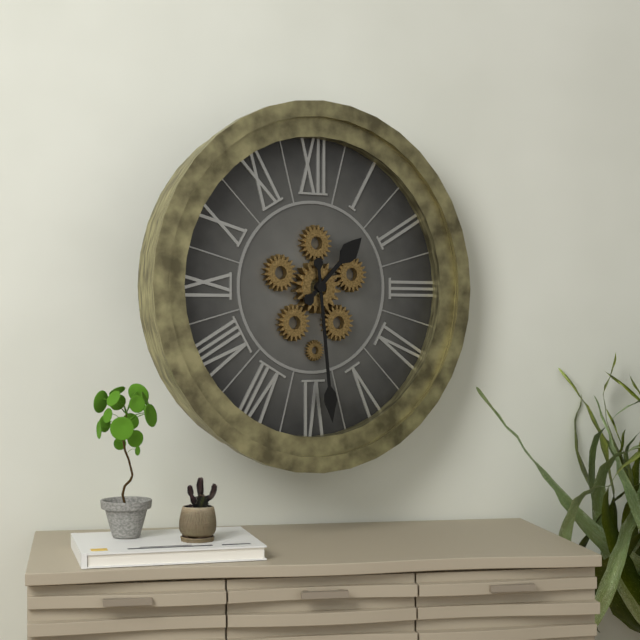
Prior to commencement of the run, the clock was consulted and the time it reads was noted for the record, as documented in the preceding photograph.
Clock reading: 1:29
